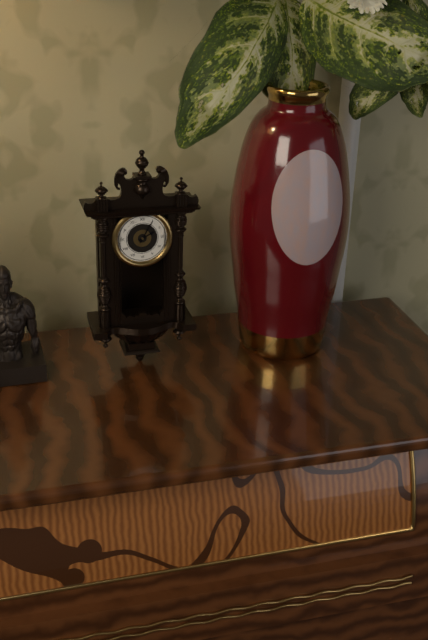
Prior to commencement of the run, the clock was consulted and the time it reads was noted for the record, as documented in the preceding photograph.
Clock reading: 2:05
